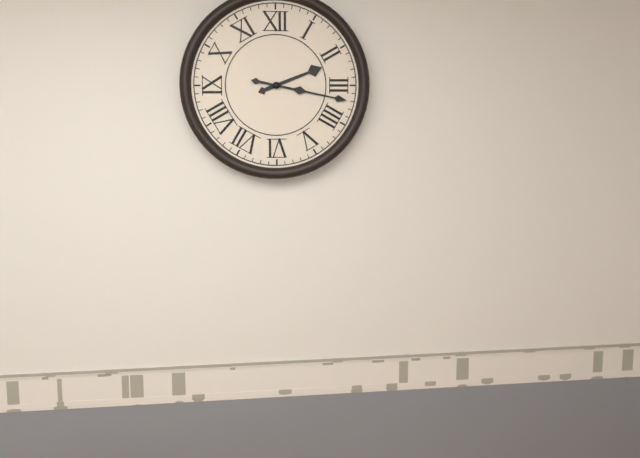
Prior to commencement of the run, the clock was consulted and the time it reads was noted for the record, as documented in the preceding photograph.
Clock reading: 2:17
